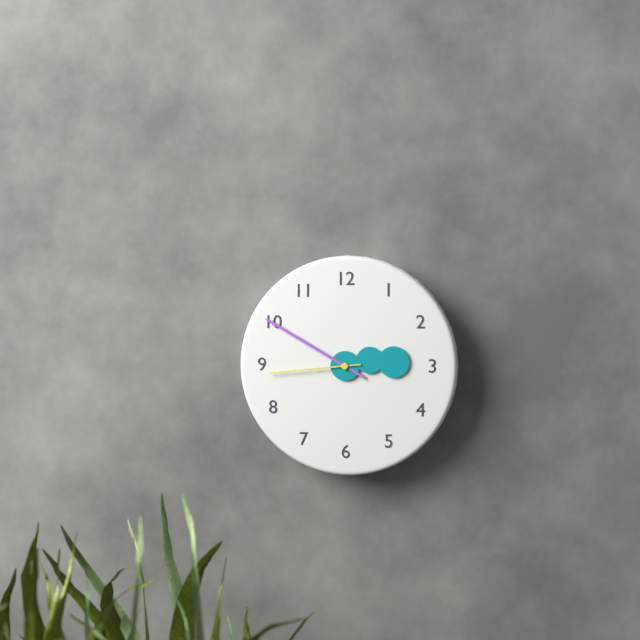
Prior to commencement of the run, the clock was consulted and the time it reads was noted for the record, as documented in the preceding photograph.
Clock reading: 2:50:44
